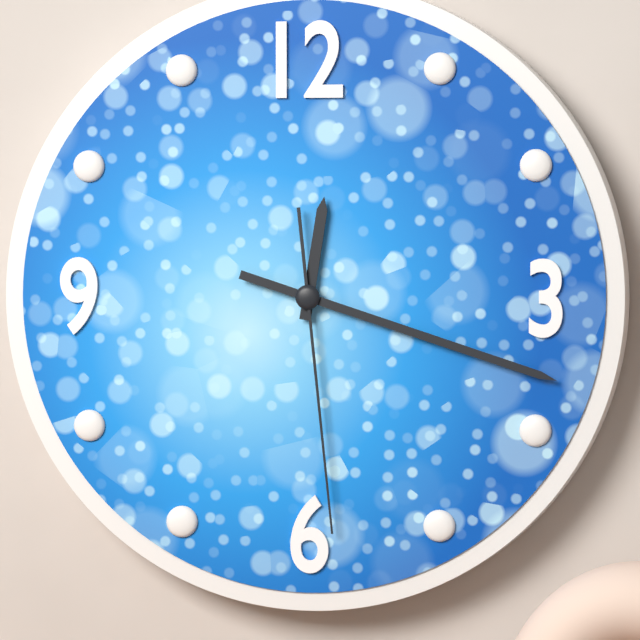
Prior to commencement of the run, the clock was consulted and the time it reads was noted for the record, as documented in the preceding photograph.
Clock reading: 12:18:29
